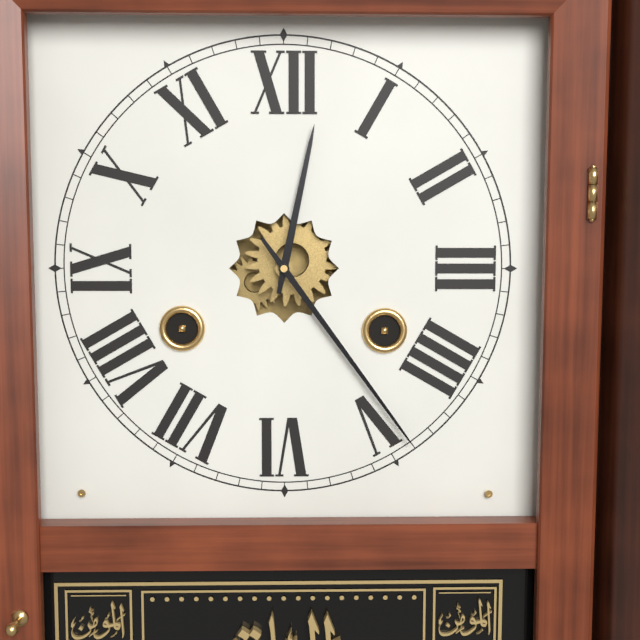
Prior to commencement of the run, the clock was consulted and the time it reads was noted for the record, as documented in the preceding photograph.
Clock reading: 12:24
